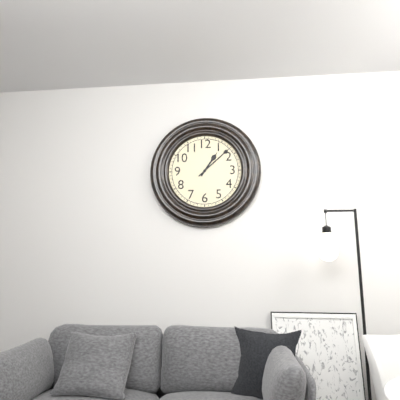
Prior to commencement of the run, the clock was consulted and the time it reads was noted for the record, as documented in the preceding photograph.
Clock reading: 1:08
